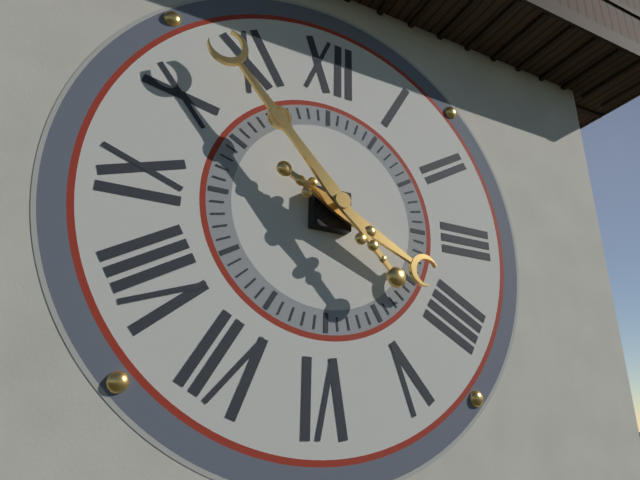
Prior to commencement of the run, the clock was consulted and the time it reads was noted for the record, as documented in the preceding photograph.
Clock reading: 3:53
